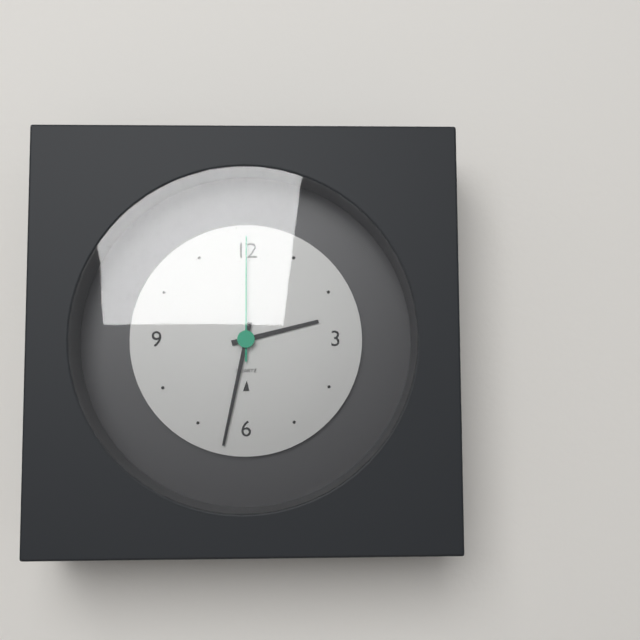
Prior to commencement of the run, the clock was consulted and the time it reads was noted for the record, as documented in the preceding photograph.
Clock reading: 2:32:00
